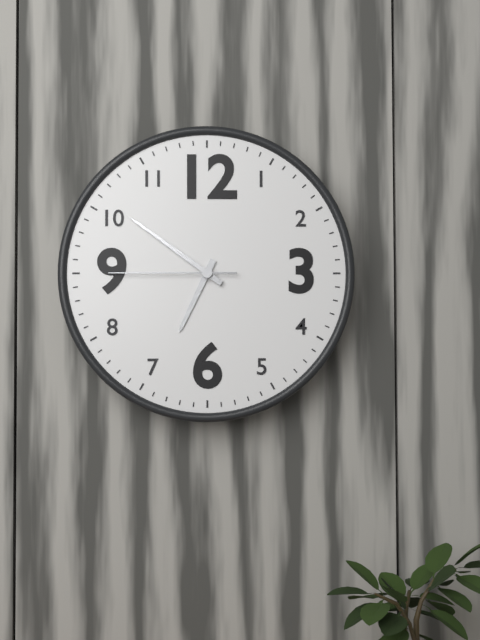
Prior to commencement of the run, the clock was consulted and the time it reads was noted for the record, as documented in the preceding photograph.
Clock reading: 6:51:45
